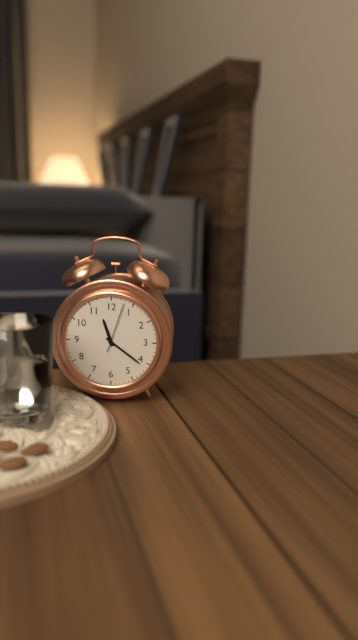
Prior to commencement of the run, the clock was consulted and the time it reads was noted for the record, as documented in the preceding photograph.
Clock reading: 11:21
